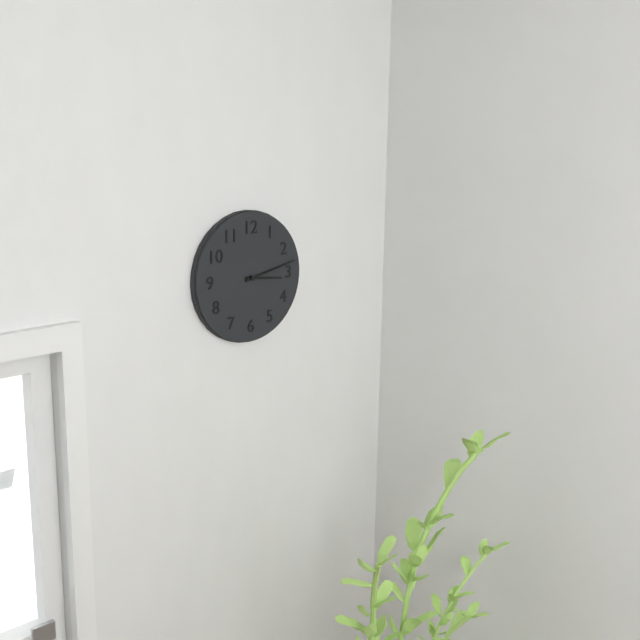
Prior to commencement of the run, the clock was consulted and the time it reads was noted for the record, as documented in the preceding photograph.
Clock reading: 3:13
